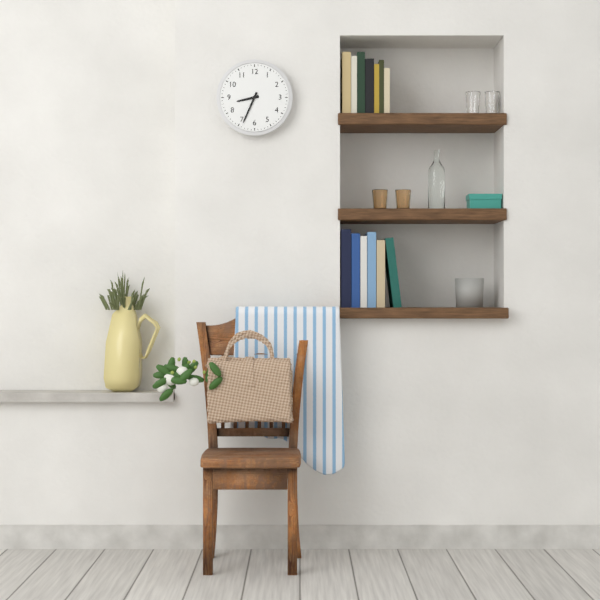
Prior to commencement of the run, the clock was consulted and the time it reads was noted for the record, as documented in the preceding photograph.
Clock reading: 8:34
